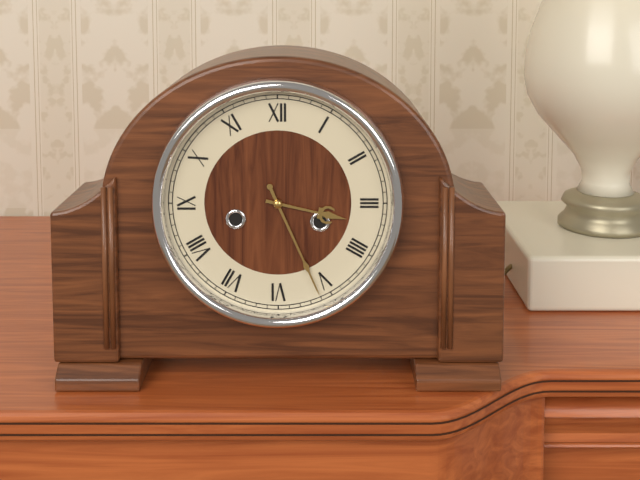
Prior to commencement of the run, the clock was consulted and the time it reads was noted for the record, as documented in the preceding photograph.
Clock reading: 3:26
